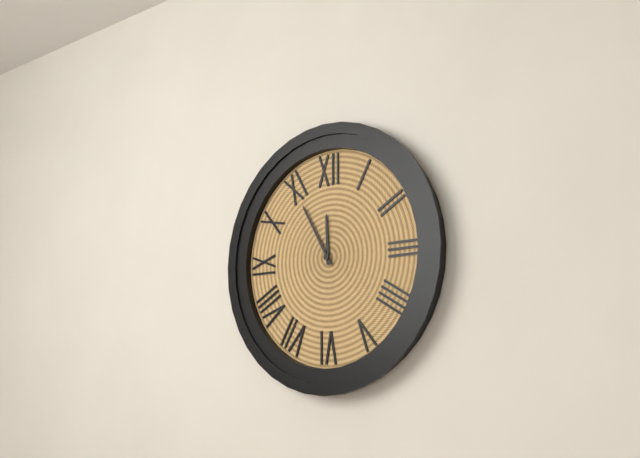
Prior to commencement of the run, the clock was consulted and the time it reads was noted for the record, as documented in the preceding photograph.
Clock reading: 11:55
